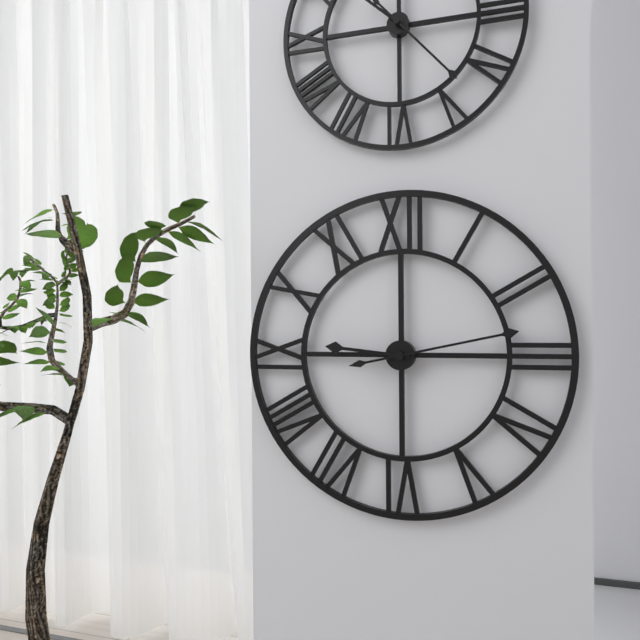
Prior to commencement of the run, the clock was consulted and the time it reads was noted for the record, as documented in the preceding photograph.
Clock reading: 9:13
